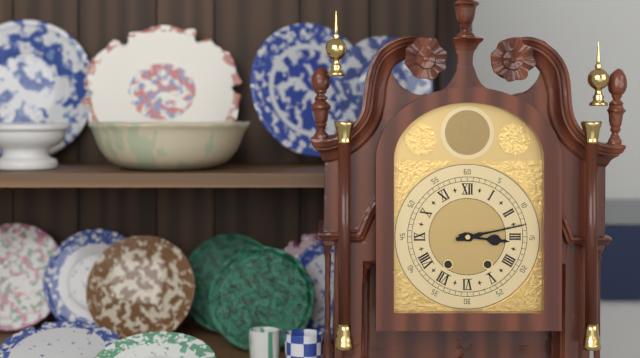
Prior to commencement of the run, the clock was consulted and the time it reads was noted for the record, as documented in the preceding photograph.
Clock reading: 3:13
